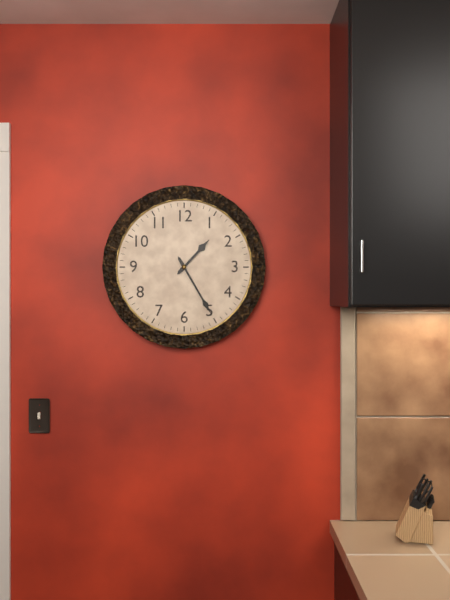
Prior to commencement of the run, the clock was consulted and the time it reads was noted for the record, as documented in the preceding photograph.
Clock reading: 1:25
